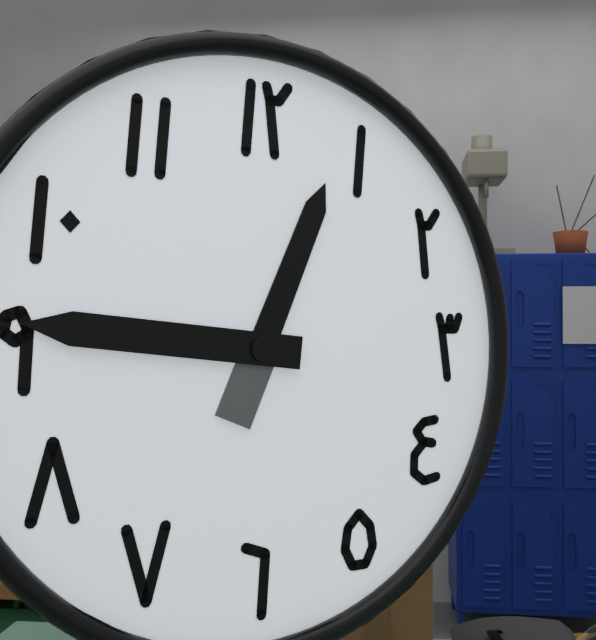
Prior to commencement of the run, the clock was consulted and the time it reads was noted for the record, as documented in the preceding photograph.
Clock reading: 12:46
